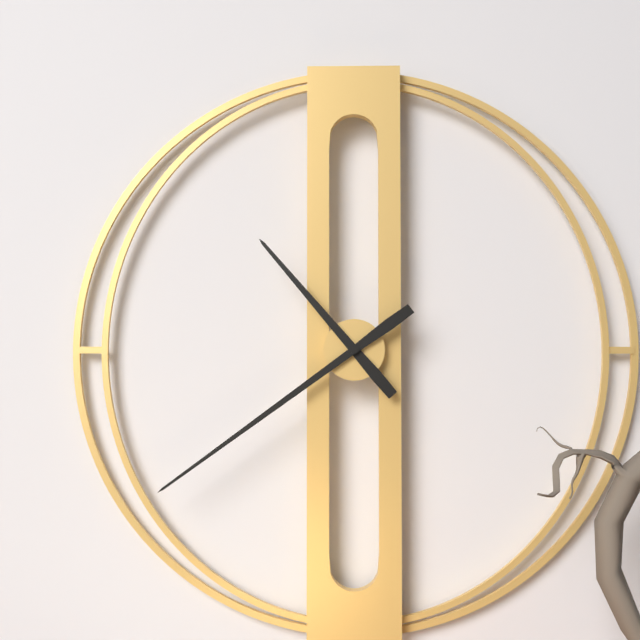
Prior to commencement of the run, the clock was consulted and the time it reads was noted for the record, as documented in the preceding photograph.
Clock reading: 10:39
